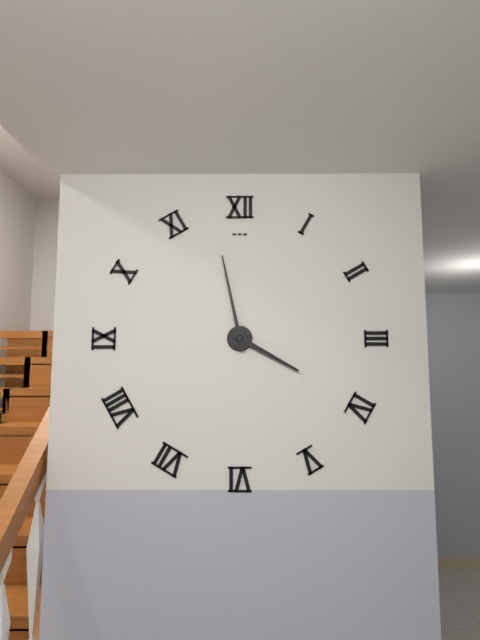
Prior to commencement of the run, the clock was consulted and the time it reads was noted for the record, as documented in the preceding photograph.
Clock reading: 3:58
